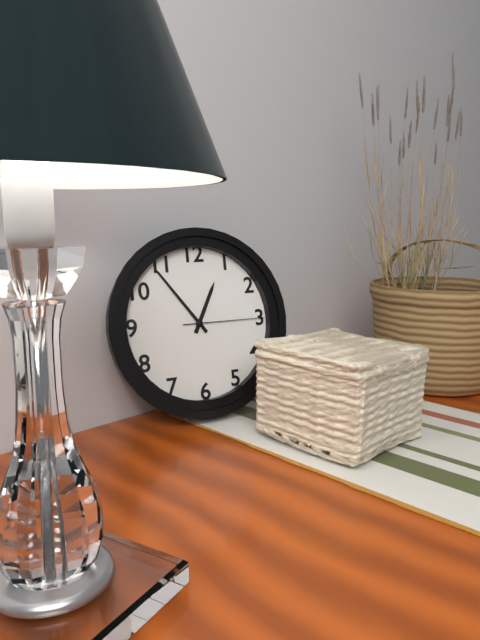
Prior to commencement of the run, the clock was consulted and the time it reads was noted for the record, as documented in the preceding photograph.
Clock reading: 12:54:15
